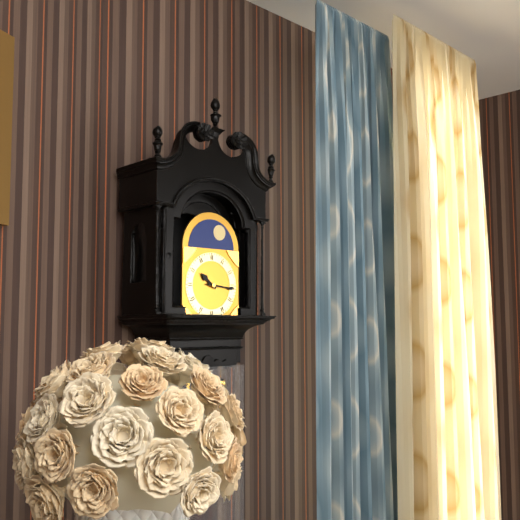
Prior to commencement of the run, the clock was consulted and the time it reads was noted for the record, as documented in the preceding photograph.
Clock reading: 10:16
